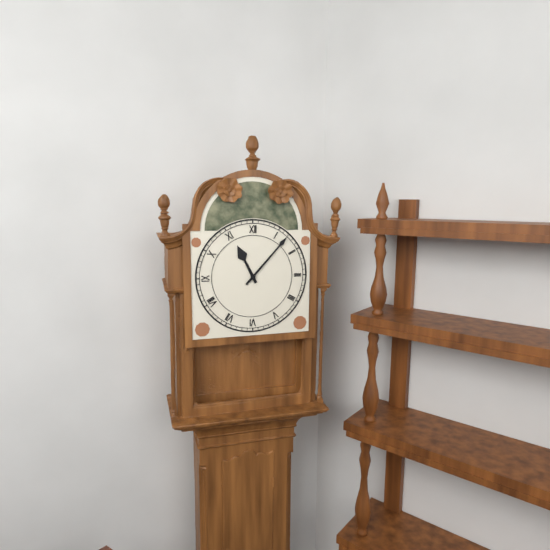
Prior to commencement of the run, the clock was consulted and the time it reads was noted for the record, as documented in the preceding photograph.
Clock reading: 11:07
